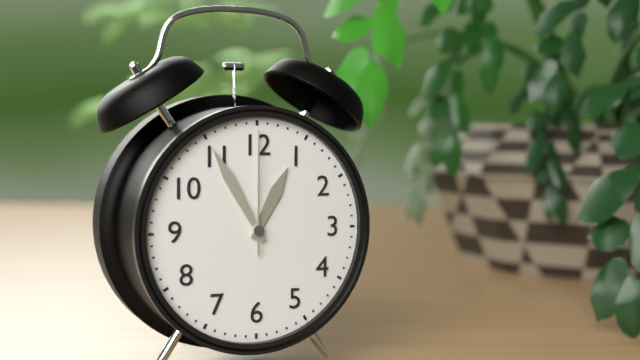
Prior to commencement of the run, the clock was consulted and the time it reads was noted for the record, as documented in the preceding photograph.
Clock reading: 12:55:00
